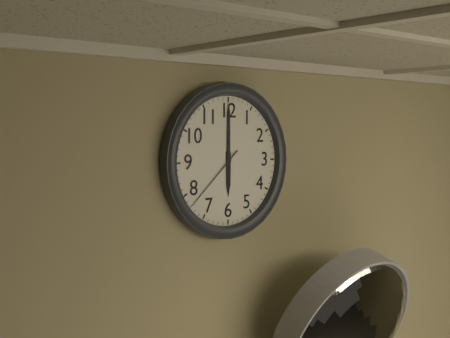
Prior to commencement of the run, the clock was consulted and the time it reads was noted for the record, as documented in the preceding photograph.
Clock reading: 6:00:38
